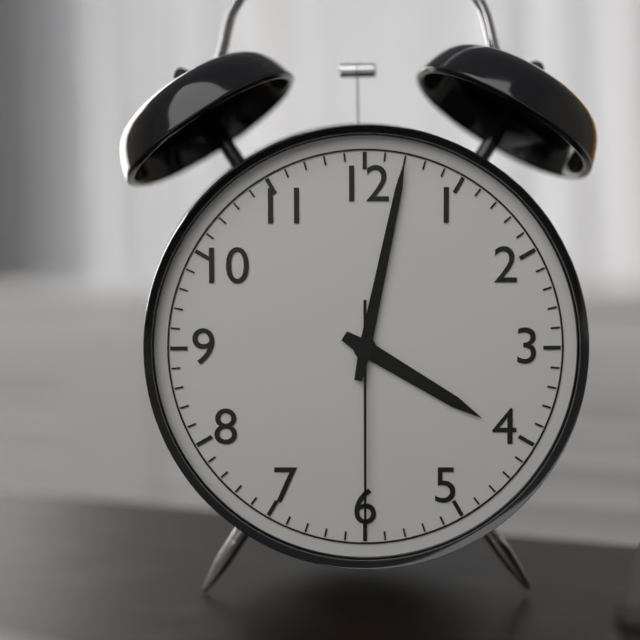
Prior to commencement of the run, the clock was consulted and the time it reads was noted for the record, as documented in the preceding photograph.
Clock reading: 4:02:30
